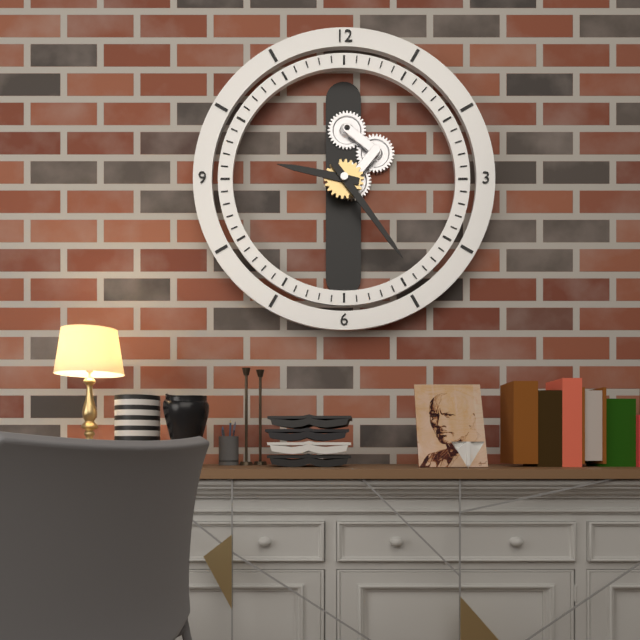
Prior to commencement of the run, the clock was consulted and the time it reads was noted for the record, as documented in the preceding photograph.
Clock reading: 9:24
